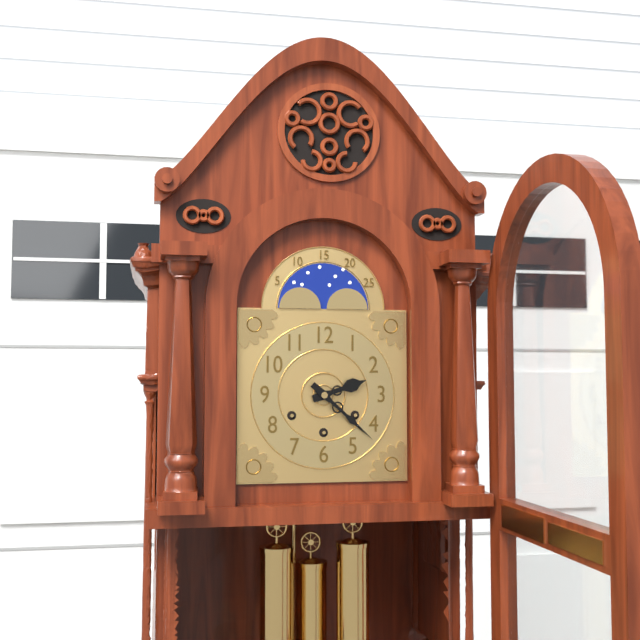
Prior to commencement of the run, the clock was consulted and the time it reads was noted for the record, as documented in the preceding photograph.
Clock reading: 2:22
